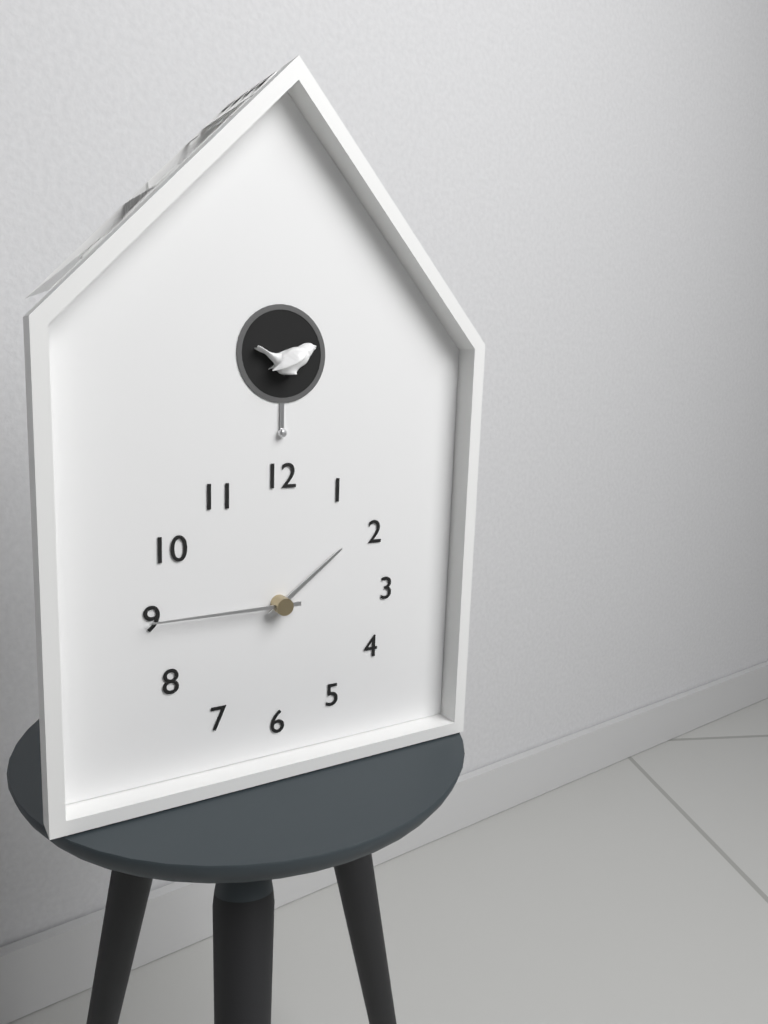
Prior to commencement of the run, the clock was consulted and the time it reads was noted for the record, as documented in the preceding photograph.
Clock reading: 1:45
